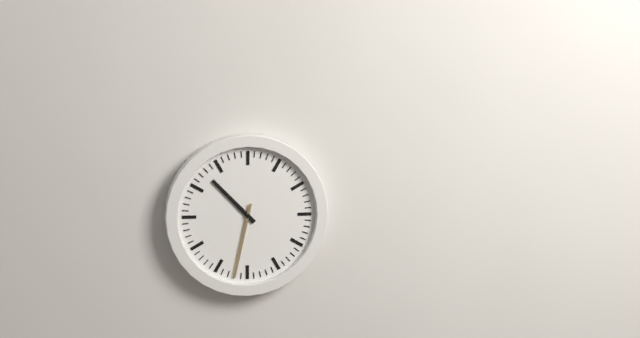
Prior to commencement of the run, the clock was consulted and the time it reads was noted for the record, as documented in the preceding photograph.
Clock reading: 10:32
